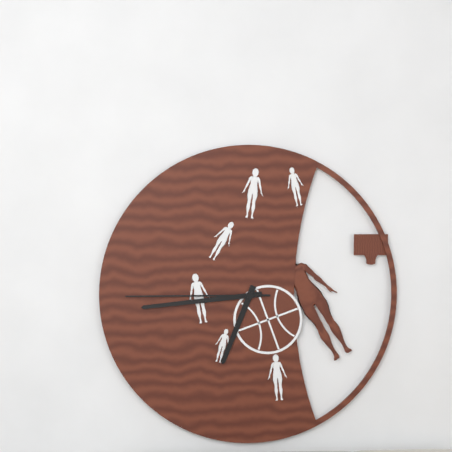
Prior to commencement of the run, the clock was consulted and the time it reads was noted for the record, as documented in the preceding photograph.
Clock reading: 6:44:45
